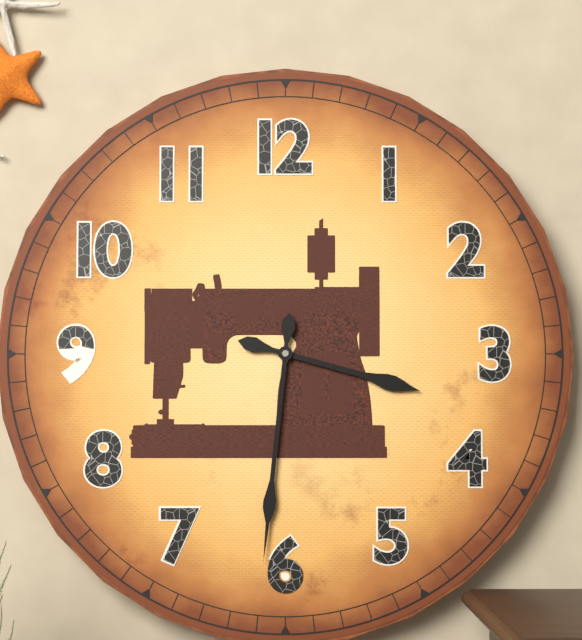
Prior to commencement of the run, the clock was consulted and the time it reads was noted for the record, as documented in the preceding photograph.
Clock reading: 3:31
